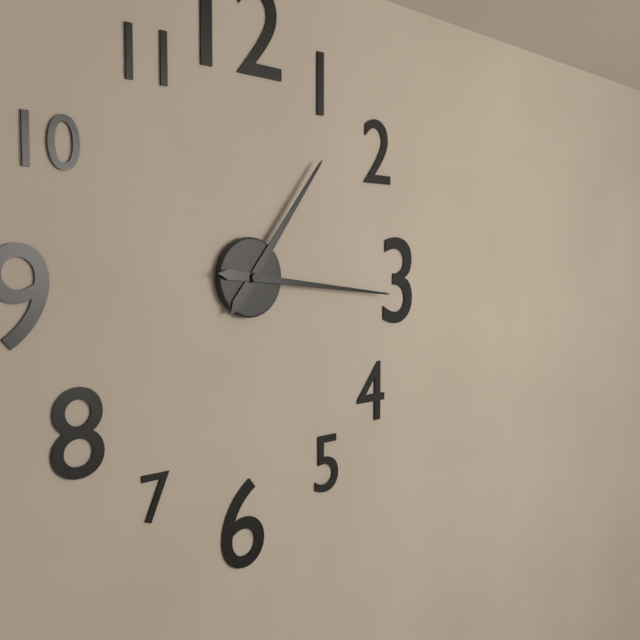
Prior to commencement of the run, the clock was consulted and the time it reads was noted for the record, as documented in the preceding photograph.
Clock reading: 1:16
